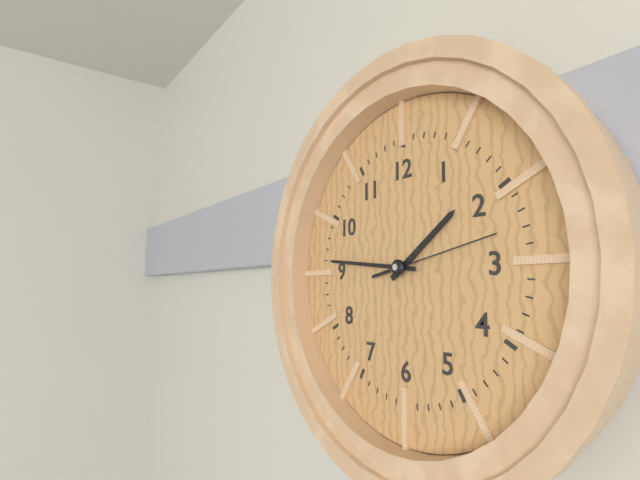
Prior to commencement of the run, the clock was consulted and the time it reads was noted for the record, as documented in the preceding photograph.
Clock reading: 1:46:13
